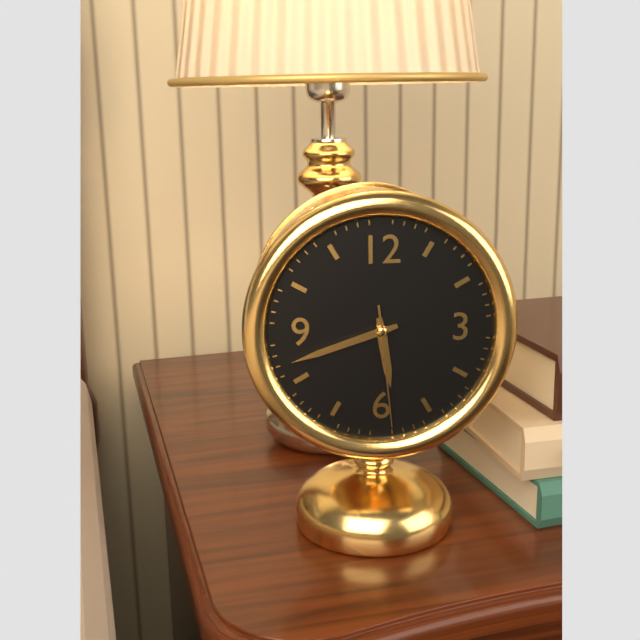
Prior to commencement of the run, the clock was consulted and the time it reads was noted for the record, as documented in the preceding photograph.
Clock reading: 5:42:29
